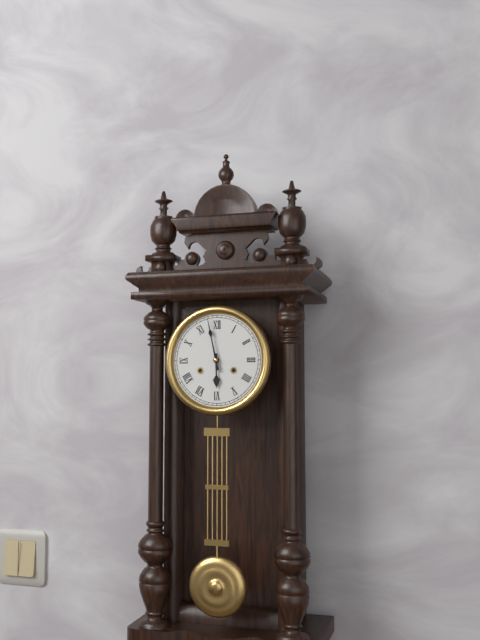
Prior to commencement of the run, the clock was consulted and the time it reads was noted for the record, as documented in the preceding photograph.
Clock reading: 5:58
